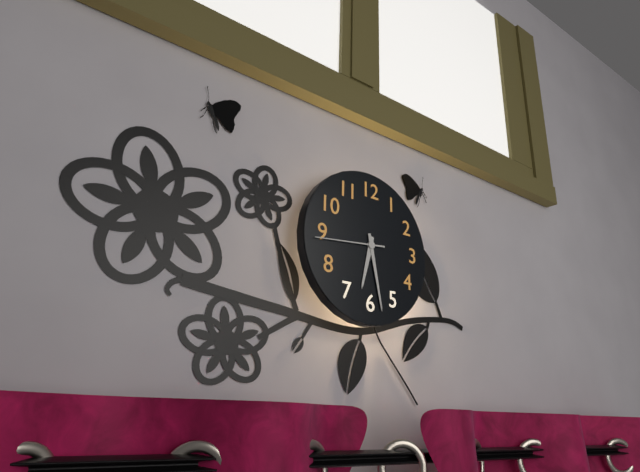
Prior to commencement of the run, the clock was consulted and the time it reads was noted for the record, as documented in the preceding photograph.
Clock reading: 6:28:44
